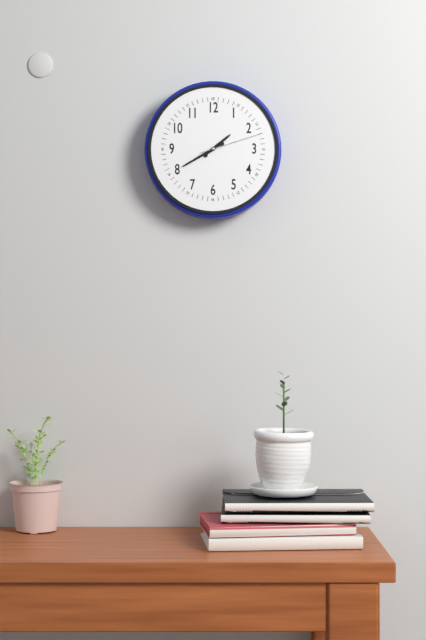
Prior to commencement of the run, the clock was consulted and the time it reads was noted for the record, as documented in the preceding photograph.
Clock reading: 1:40:12
